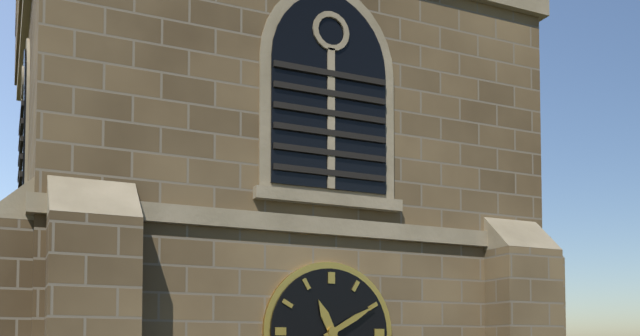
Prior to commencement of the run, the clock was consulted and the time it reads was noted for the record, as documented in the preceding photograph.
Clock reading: 11:10
